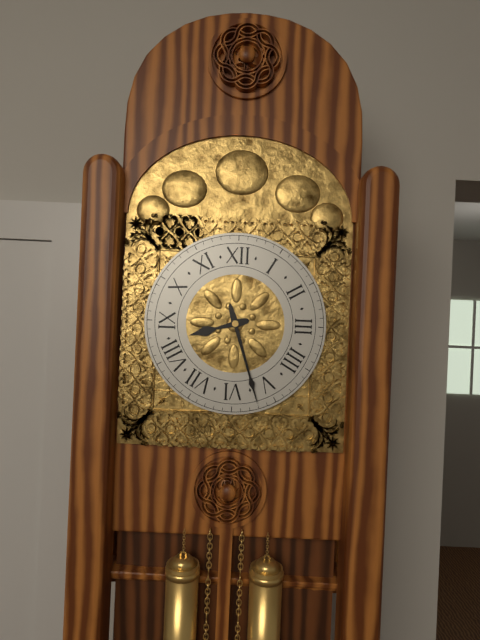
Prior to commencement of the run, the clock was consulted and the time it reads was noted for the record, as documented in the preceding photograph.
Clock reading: 8:27
